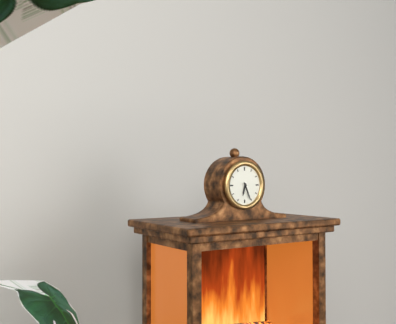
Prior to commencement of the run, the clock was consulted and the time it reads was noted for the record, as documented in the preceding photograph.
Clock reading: 6:26
